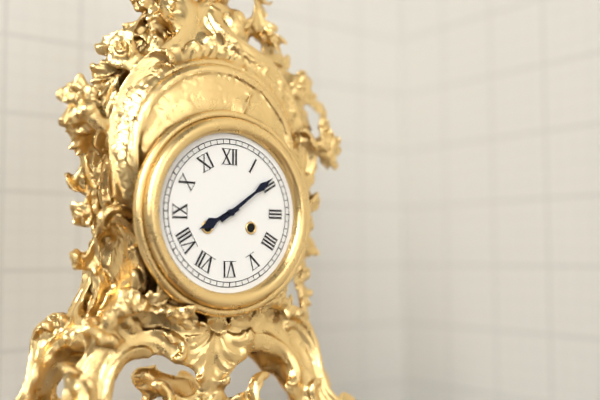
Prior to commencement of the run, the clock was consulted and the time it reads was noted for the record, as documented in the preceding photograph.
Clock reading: 8:09
